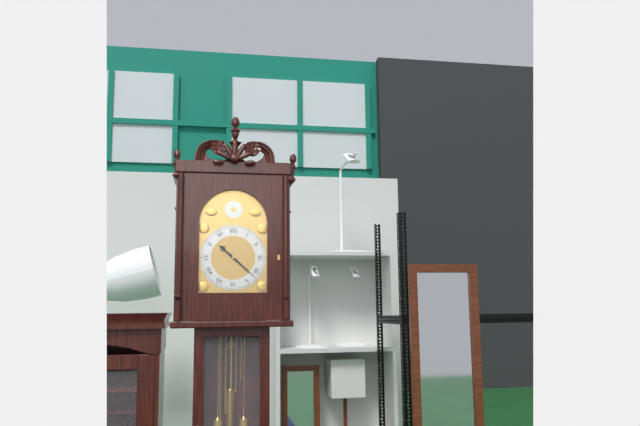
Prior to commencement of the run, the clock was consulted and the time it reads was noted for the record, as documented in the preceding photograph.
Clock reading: 10:22
